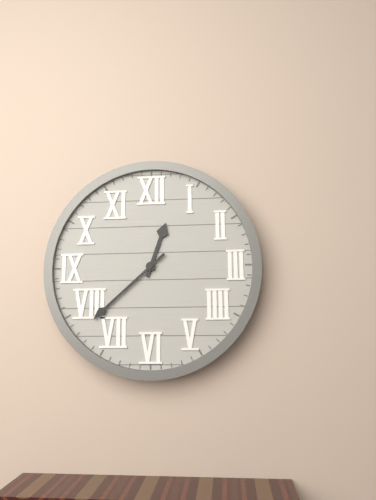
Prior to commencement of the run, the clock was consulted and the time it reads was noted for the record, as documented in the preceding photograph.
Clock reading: 12:38
